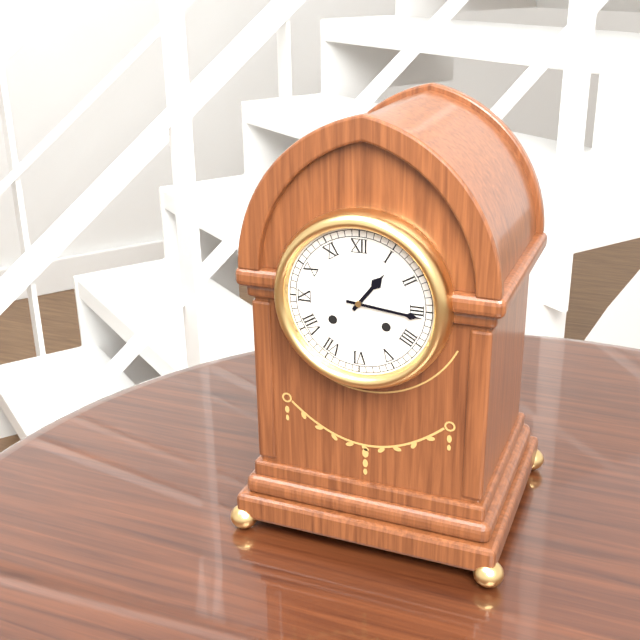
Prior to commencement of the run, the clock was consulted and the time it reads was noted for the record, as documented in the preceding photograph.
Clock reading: 1:16
